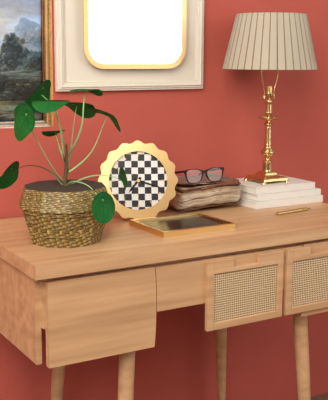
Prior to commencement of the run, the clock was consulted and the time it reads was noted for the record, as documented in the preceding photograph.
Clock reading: 7:18
